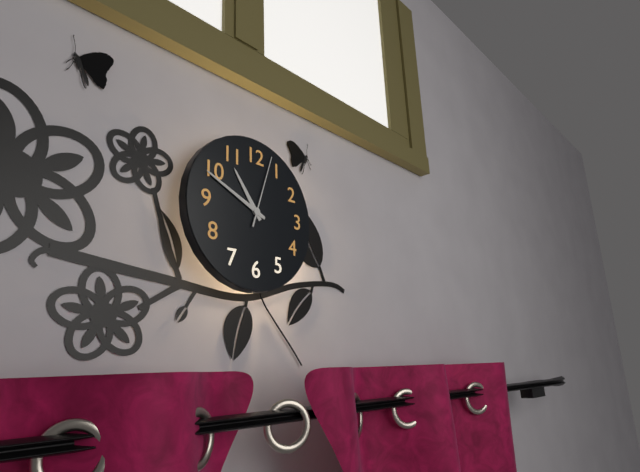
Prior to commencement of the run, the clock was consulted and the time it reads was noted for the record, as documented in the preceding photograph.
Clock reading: 10:49:03
